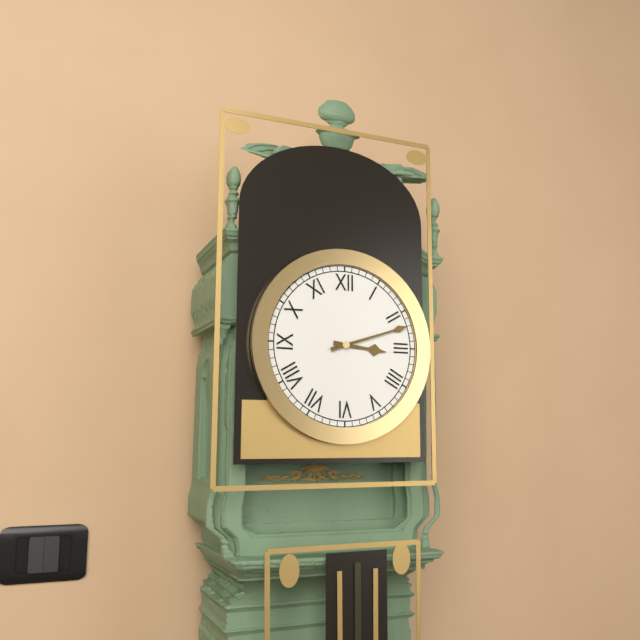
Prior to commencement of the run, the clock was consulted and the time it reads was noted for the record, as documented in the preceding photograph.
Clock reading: 3:12
